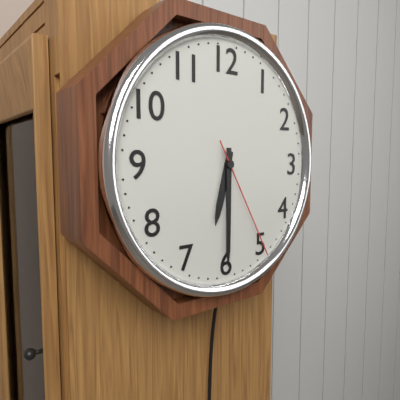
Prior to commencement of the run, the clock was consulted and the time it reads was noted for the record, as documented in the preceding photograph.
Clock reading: 6:30:25
